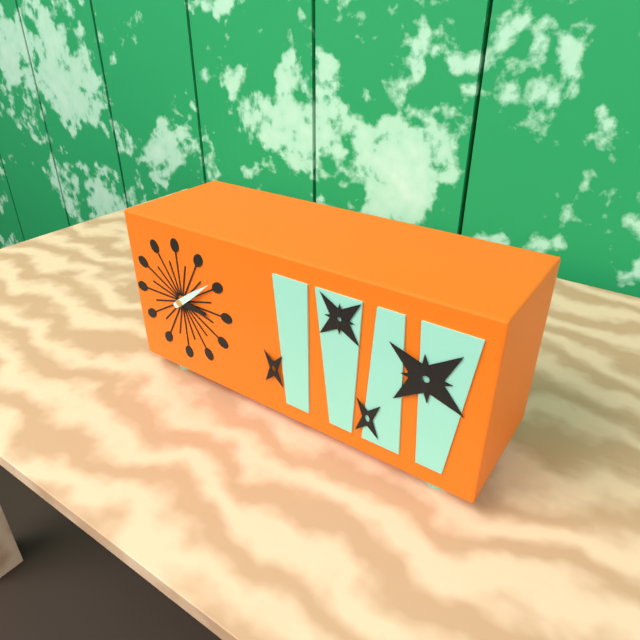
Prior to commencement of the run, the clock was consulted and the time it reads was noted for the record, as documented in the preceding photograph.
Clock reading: 3:09
